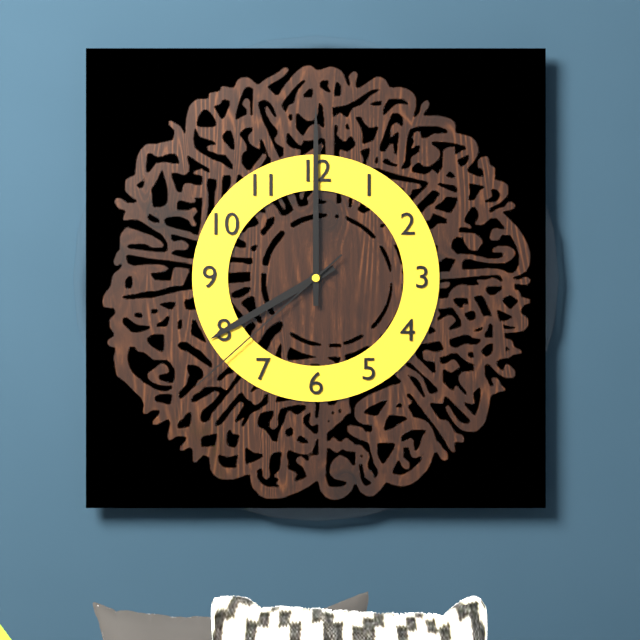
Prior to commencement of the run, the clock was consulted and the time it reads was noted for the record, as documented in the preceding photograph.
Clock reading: 8:00:38
